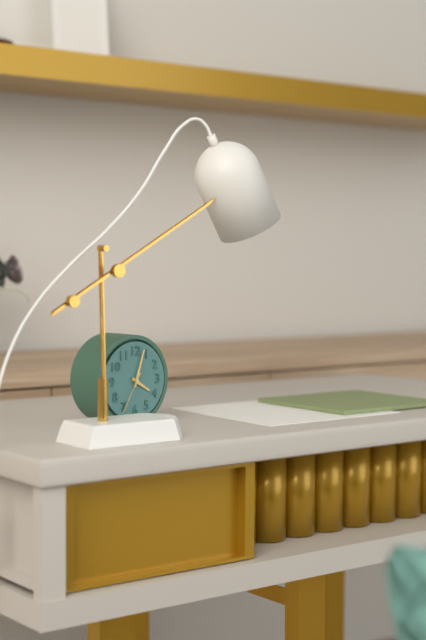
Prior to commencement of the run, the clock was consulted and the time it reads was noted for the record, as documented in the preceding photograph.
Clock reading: 4:03
